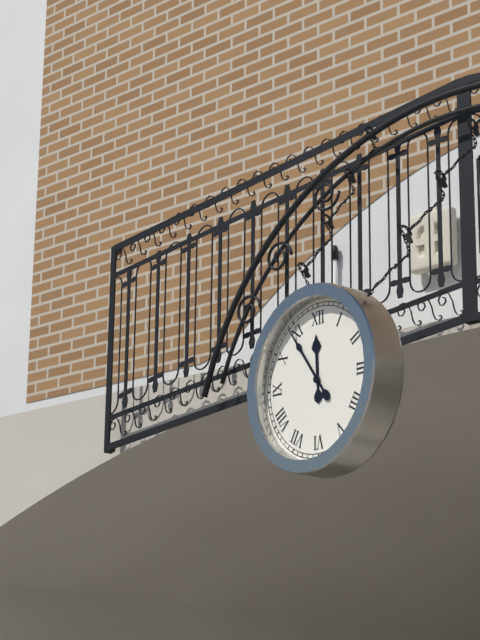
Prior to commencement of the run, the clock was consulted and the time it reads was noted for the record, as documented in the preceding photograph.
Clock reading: 11:54
